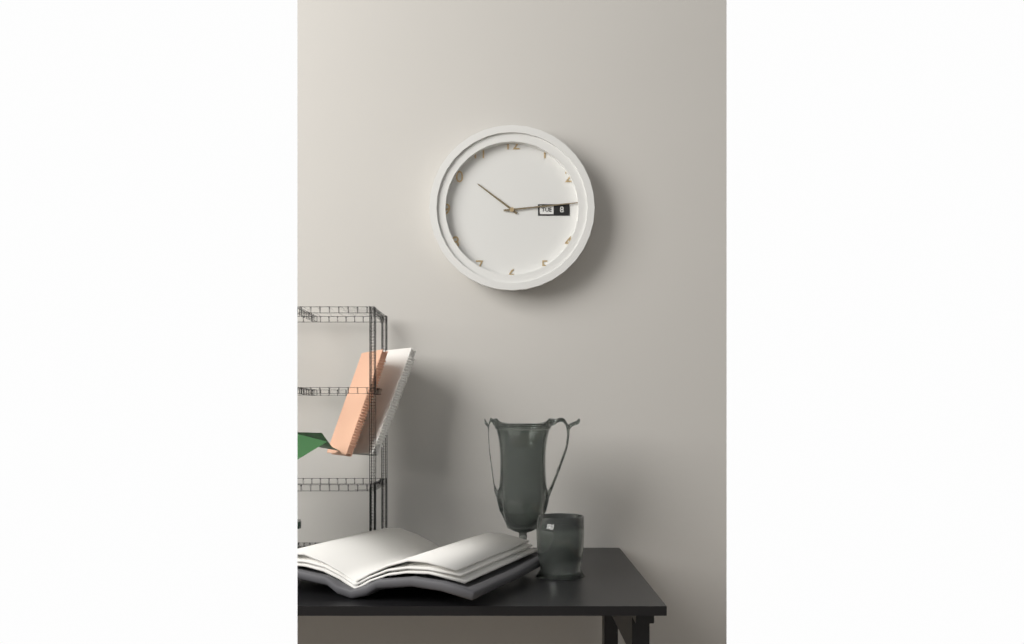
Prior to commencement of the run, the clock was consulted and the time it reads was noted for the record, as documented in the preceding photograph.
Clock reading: 10:14
